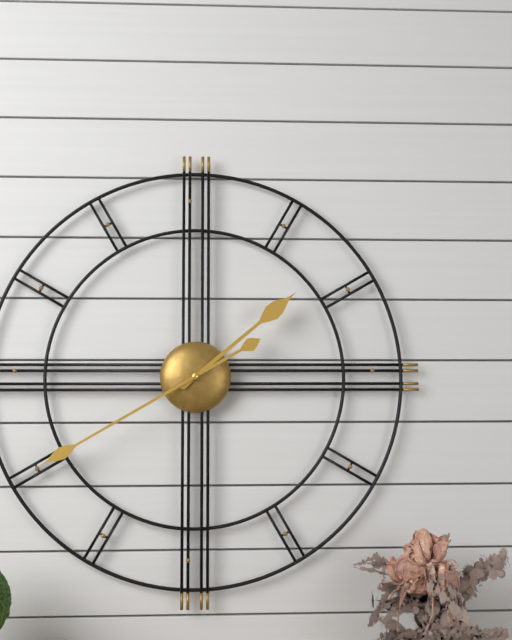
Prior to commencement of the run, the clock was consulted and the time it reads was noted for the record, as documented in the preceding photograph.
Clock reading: 1:40
